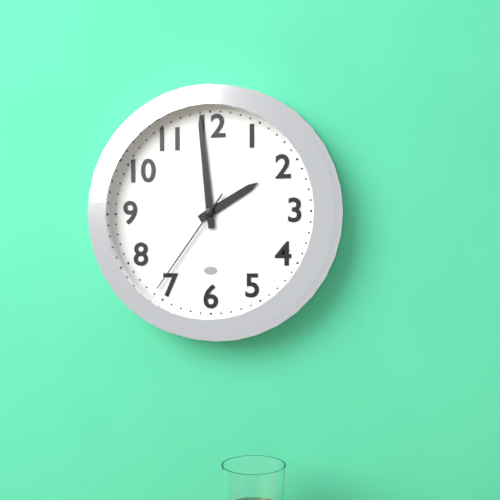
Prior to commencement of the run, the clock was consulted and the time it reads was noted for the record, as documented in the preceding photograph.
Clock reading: 1:59:36
